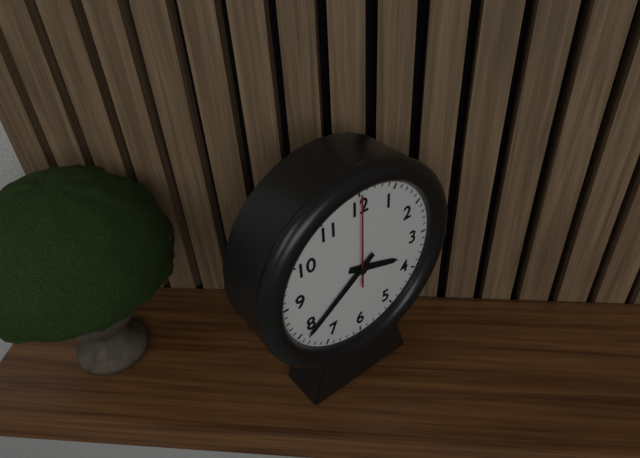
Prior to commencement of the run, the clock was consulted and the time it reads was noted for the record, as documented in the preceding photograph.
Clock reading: 3:39:00
